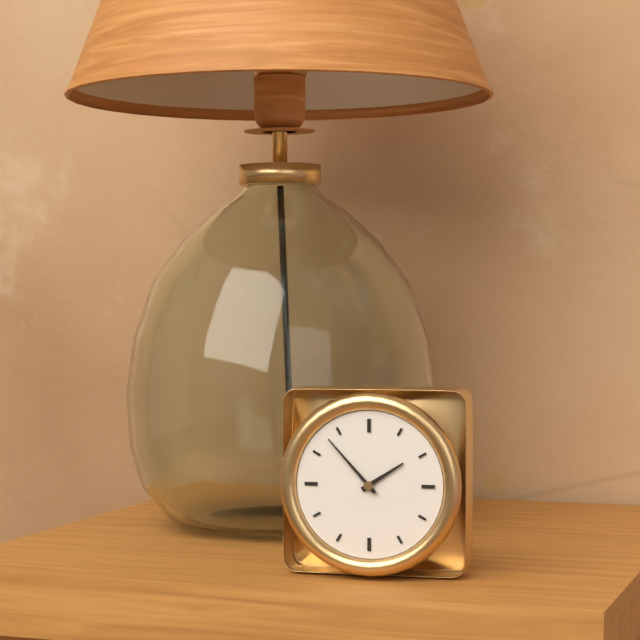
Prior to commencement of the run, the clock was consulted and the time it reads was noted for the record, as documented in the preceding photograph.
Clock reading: 1:53
